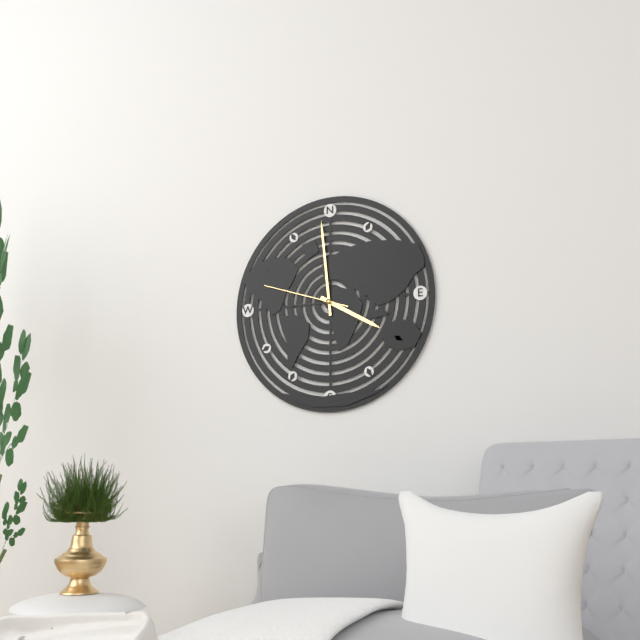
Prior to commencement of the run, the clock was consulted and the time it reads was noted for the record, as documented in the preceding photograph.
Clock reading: 3:59:48
